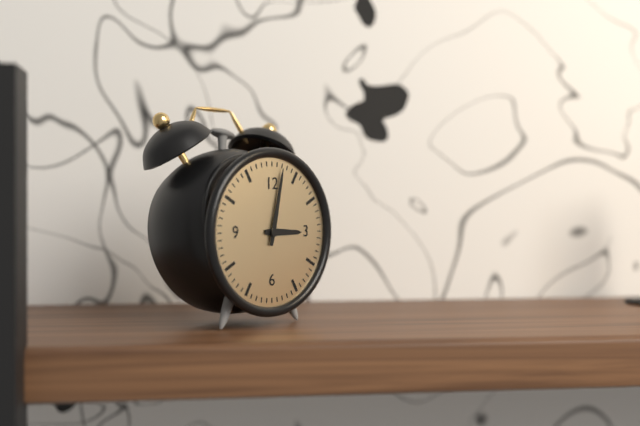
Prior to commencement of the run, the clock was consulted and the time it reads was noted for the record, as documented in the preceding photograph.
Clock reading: 3:02
